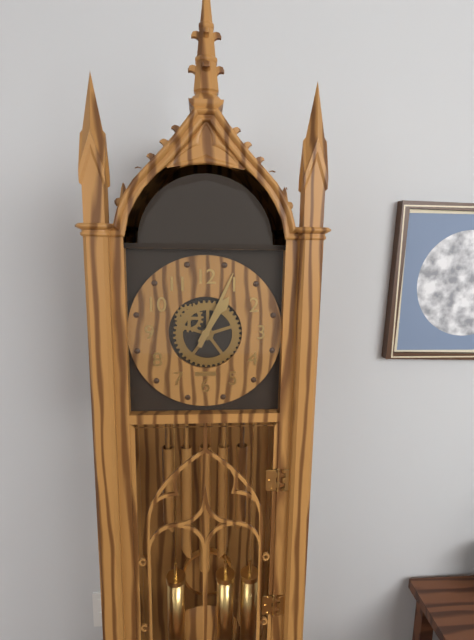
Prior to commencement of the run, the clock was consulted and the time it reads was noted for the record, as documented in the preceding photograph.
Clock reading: 1:04
